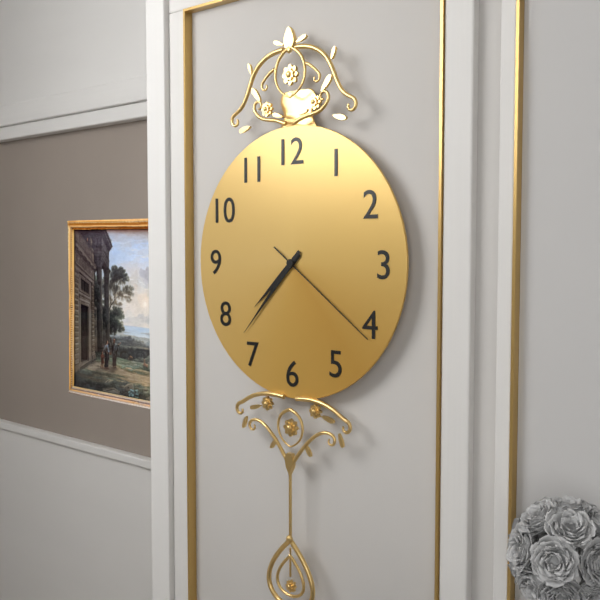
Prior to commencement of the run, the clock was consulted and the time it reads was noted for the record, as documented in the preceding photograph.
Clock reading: 7:37:21
